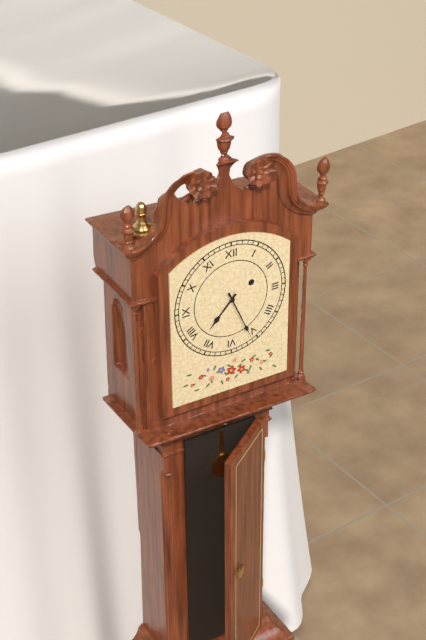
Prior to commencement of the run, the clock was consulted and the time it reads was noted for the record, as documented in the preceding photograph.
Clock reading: 7:26
